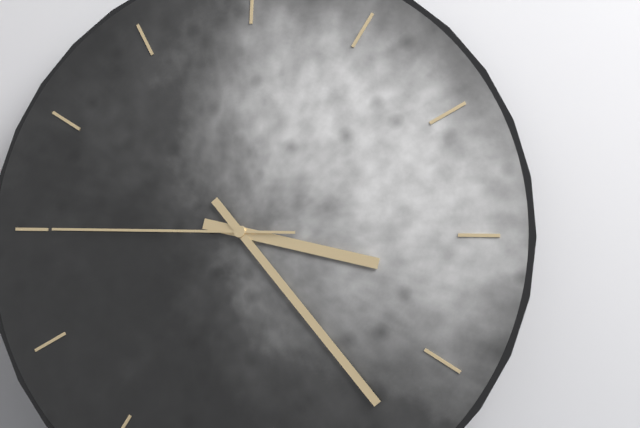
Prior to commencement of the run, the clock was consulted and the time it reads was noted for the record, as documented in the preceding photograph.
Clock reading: 3:23:45
